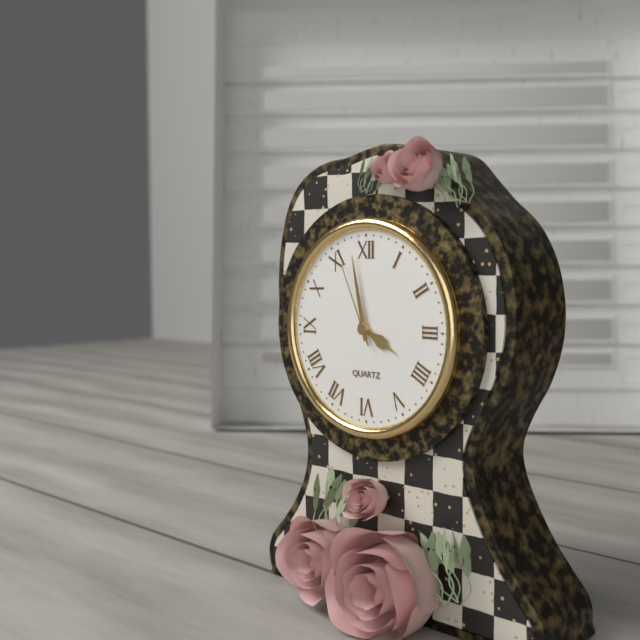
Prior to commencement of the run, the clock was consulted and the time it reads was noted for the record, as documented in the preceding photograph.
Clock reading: 3:58:56
